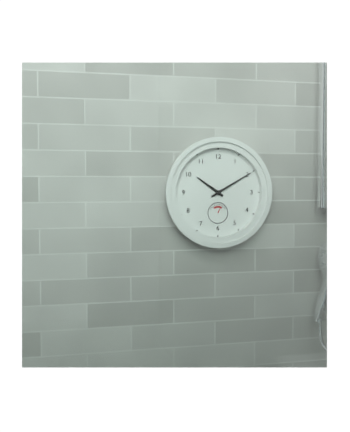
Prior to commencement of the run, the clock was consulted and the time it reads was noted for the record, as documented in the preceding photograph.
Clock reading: 10:10
